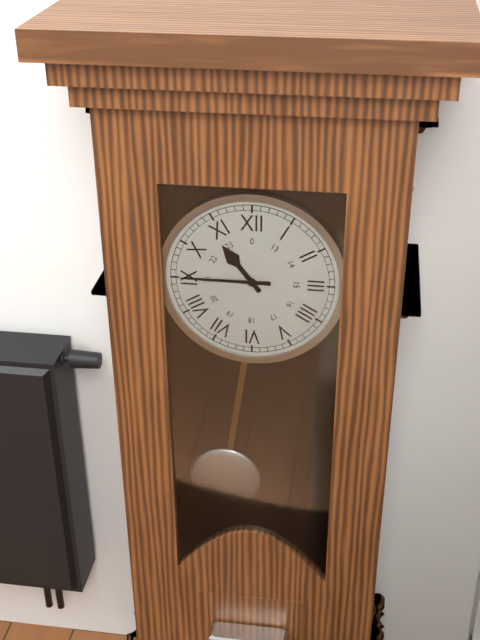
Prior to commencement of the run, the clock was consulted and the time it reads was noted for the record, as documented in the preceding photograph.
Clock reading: 10:45
